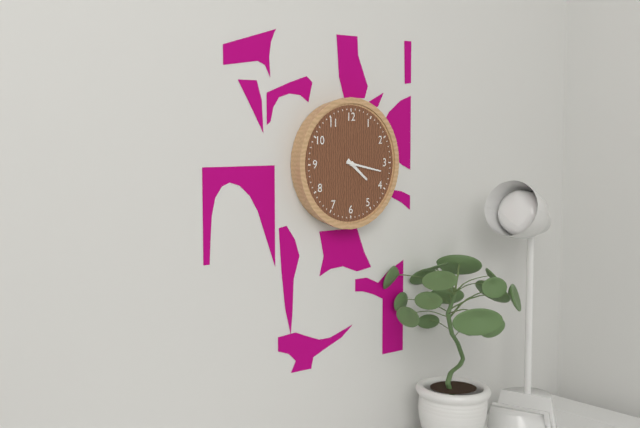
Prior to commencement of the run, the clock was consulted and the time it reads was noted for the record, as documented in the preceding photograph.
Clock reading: 4:17
